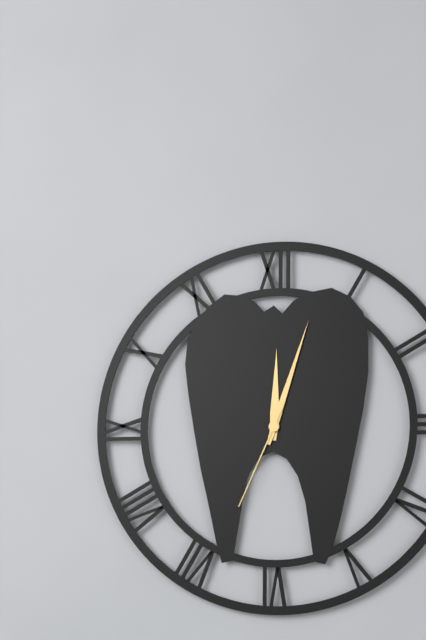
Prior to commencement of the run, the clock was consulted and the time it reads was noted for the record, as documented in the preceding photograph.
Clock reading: 12:03:34
